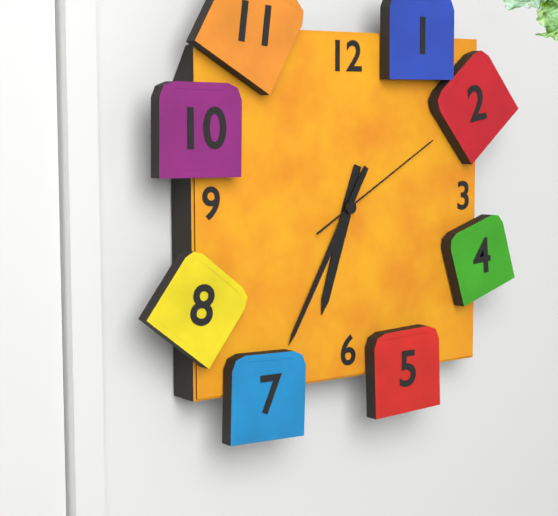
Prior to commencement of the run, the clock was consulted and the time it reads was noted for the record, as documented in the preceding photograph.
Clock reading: 6:35:10
